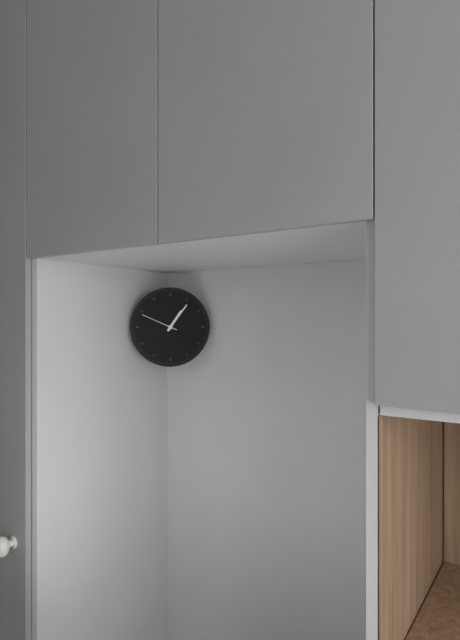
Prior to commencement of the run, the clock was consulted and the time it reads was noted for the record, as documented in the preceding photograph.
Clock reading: 1:06
